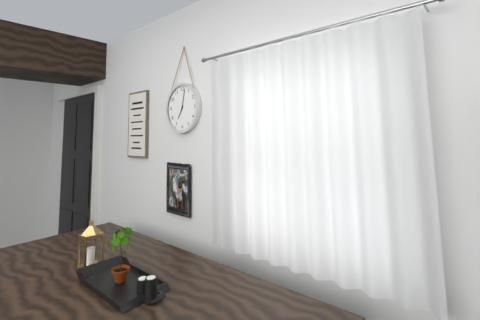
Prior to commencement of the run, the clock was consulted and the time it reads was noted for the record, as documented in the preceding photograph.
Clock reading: 7:02
